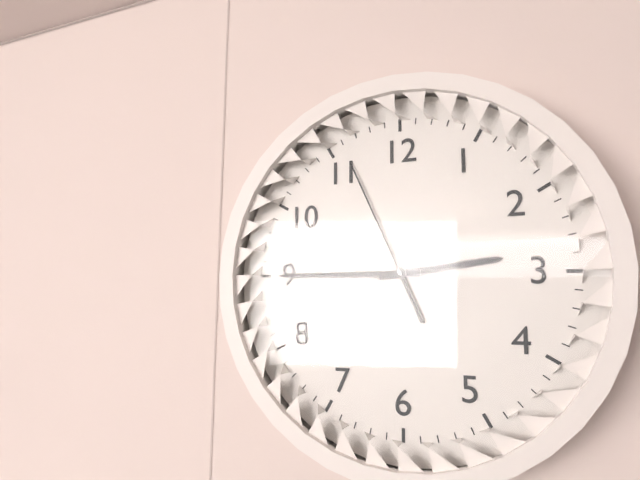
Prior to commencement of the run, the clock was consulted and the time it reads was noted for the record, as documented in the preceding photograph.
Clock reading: 2:45:56
